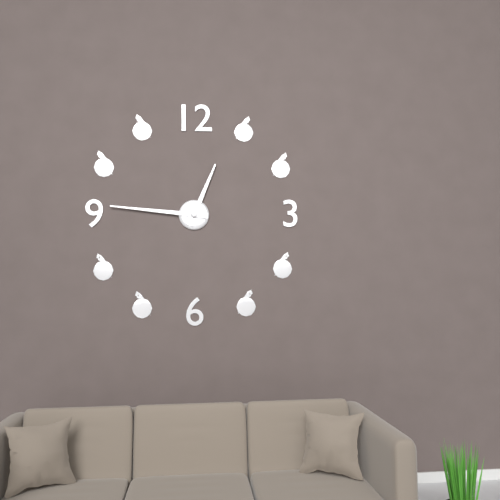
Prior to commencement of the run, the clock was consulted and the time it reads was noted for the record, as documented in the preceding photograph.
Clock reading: 12:46
